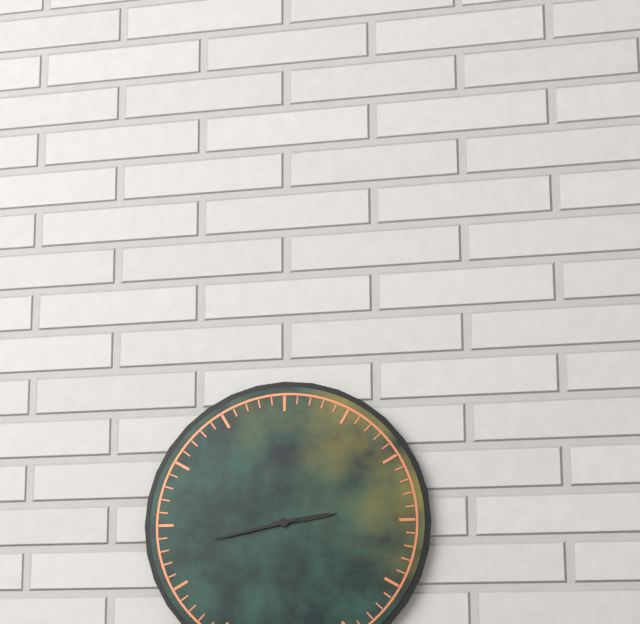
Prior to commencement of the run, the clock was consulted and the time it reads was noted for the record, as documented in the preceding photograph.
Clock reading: 2:43
